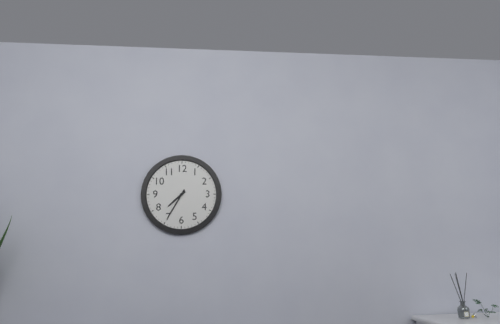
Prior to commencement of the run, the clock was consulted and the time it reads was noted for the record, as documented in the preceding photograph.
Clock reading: 7:35
